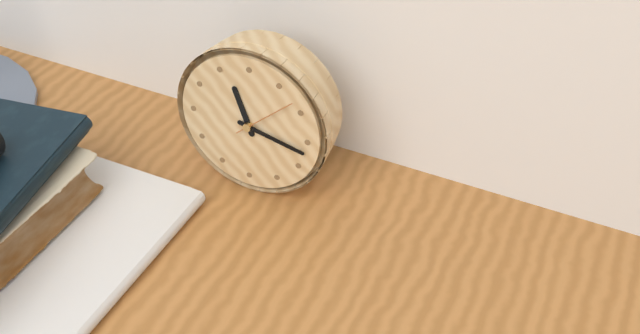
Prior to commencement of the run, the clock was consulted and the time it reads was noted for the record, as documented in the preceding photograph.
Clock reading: 11:17:08
